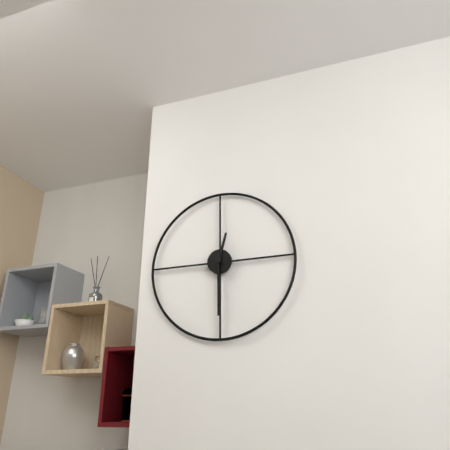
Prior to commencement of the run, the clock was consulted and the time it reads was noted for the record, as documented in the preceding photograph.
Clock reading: 12:30
